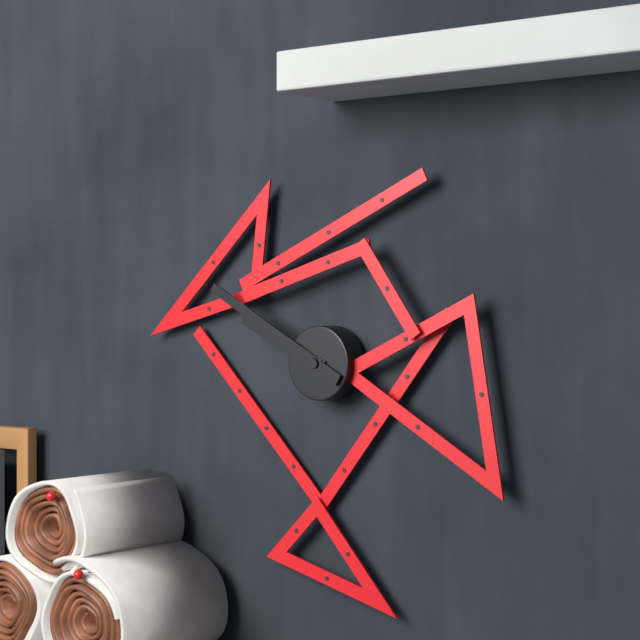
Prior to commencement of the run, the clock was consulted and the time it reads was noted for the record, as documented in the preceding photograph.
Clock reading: 9:50
